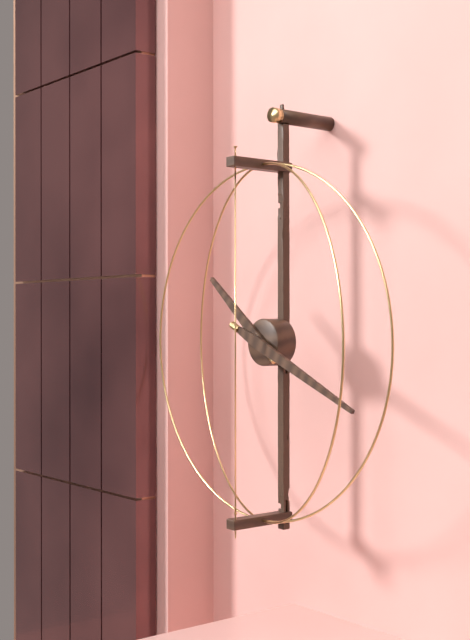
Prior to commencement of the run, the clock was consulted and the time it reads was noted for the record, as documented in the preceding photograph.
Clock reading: 10:19
